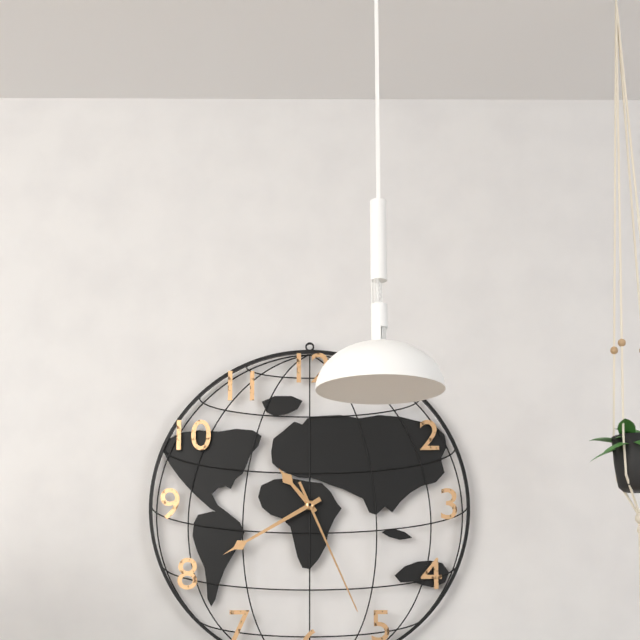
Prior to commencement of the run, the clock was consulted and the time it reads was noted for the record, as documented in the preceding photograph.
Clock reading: 10:40:26
